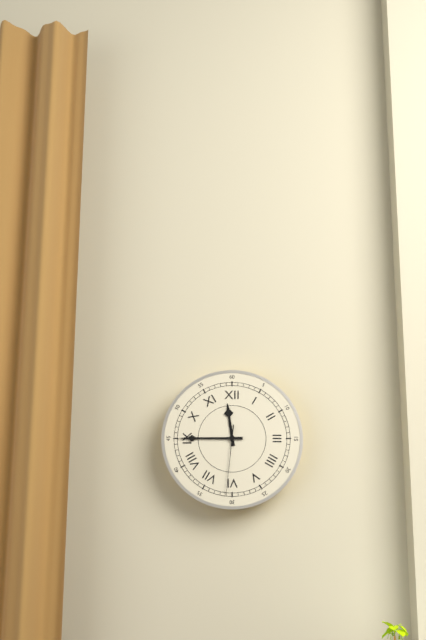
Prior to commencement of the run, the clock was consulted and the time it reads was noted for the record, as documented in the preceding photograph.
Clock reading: 11:45:31
